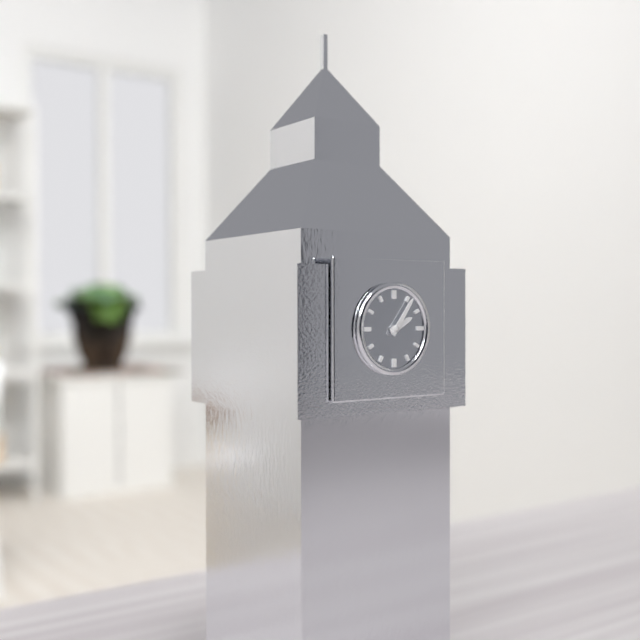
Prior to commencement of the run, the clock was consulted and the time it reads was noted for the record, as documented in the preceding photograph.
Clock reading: 2:06
